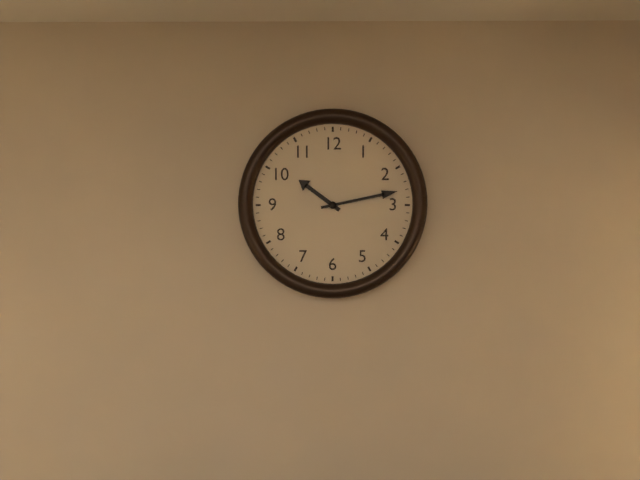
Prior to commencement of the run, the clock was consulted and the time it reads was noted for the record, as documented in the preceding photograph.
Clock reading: 10:13
